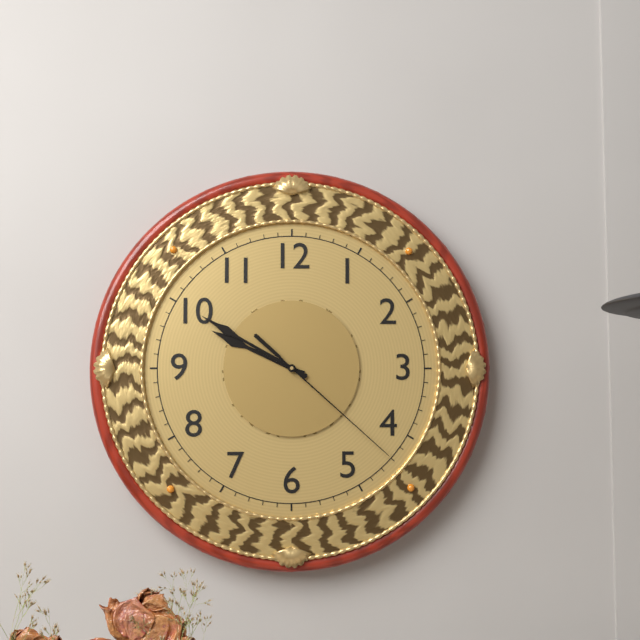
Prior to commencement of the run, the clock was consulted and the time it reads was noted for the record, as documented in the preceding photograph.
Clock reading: 9:50:22
